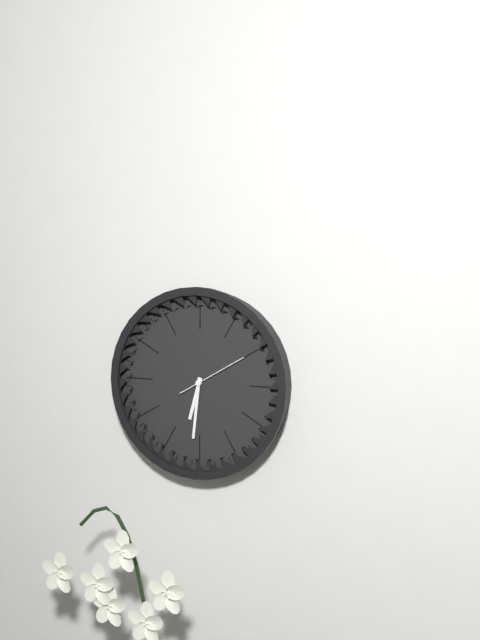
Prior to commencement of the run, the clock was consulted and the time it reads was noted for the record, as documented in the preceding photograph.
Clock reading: 6:31:10
